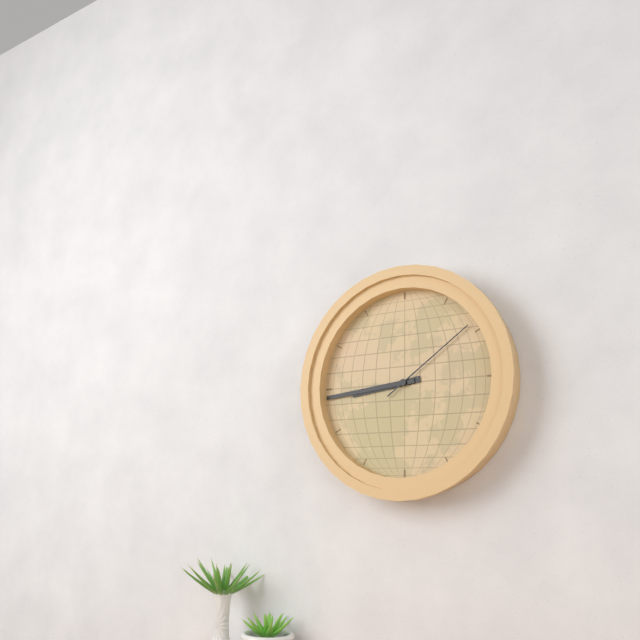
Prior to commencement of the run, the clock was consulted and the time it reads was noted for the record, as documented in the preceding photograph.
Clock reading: 8:44:09
